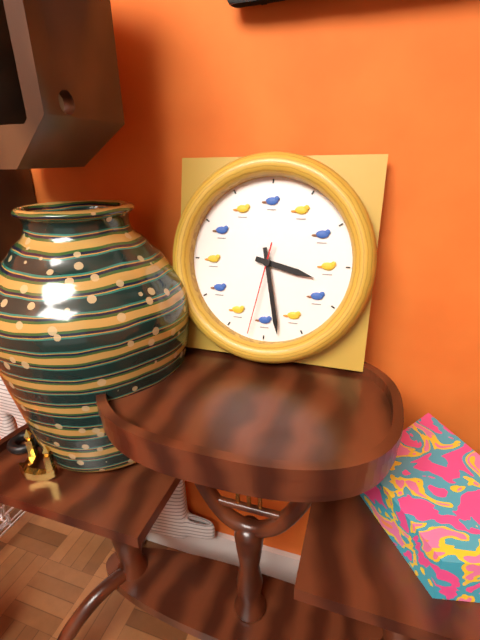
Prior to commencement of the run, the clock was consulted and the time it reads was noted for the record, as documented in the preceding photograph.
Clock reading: 3:28:32
